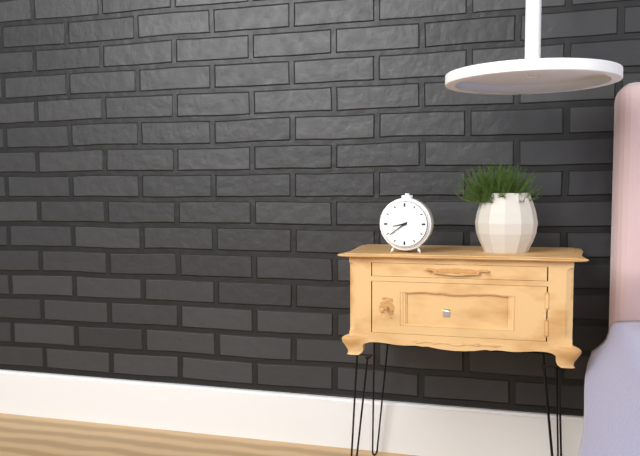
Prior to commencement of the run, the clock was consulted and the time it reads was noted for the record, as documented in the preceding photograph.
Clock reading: 8:39
